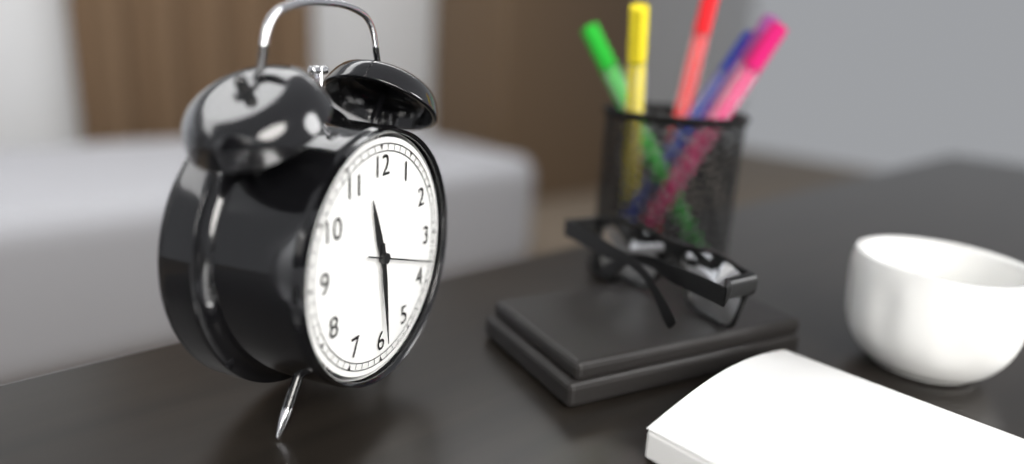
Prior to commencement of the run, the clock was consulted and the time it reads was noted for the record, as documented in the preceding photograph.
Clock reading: 11:29:18
